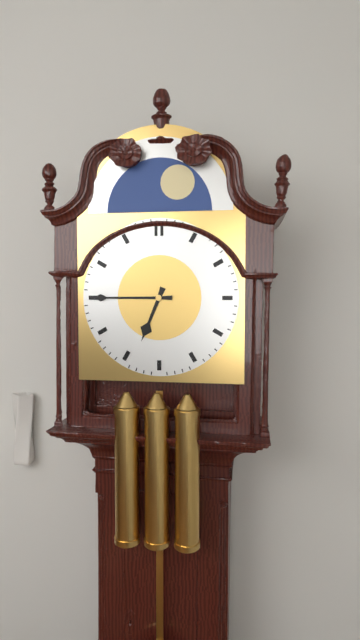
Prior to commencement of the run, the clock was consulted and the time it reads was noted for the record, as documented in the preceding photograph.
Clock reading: 6:45
